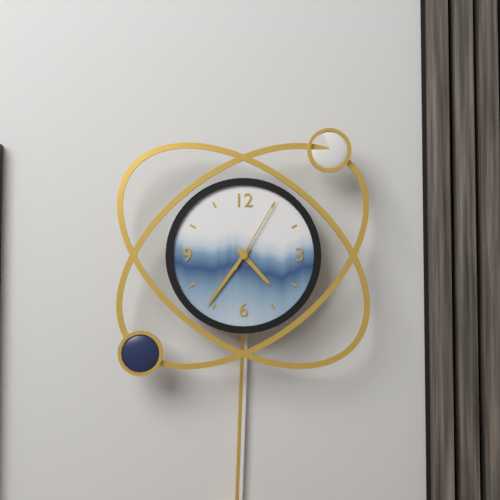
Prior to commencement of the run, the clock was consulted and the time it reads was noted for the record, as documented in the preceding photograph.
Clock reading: 4:36:05
